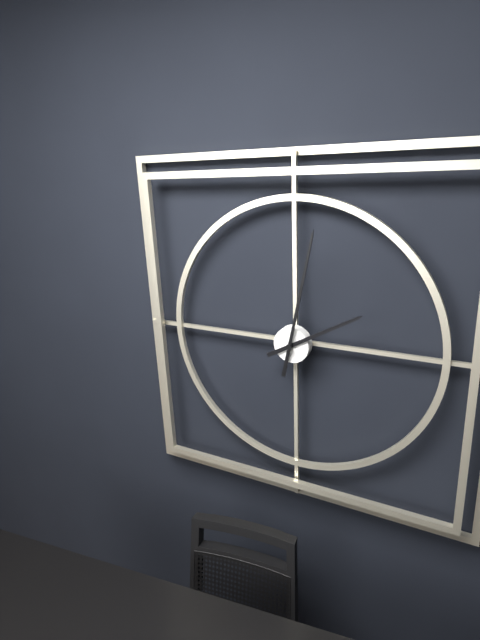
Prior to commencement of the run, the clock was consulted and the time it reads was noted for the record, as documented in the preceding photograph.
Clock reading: 2:02
